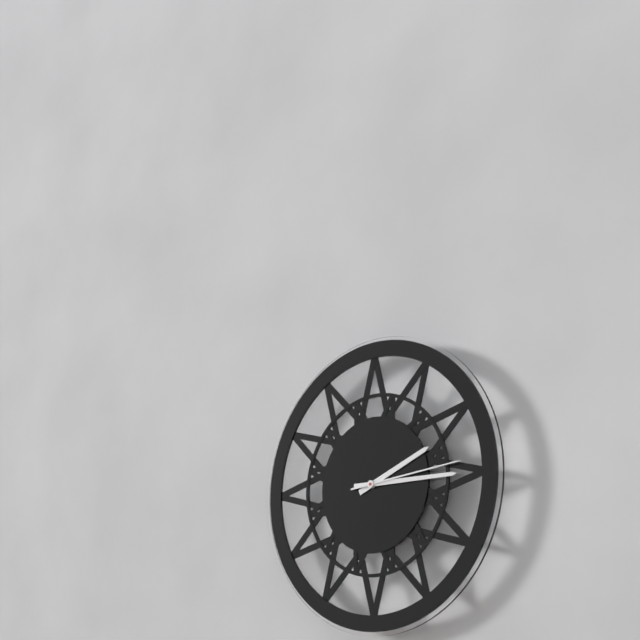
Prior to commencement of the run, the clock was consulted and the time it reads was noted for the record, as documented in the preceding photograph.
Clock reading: 2:15:14
